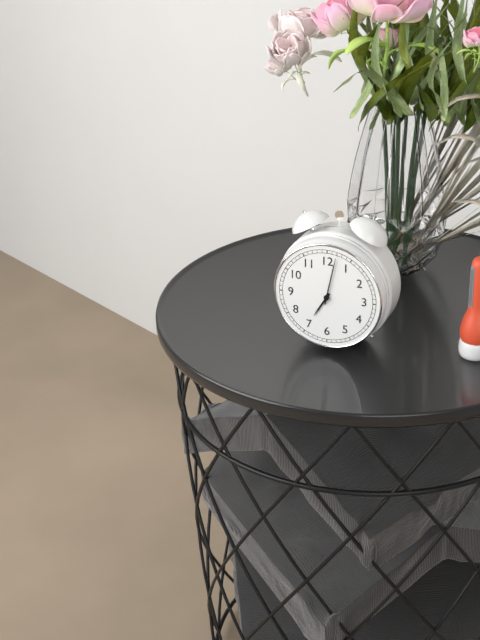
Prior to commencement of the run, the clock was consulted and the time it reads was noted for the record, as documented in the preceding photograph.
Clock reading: 7:02
